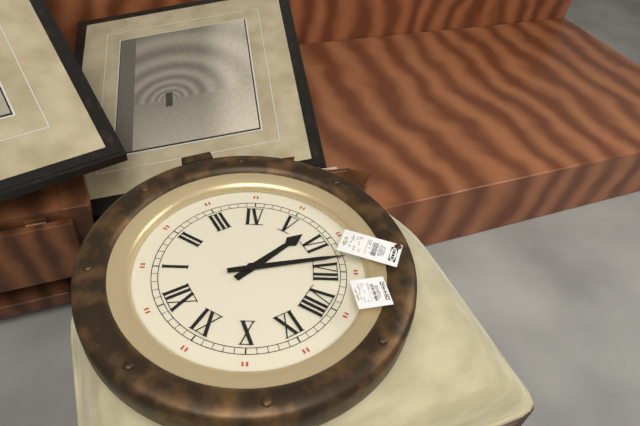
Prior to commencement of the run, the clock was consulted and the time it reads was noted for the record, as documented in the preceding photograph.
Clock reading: 5:33
